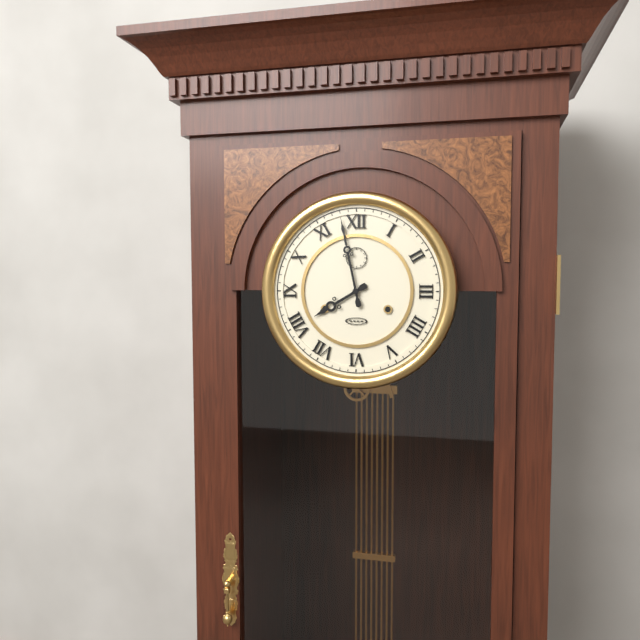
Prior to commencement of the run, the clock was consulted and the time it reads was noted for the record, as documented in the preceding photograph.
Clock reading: 7:58
